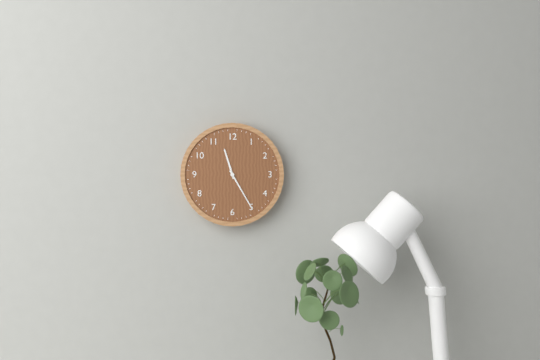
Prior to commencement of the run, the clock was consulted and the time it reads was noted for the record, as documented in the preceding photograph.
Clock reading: 11:25
